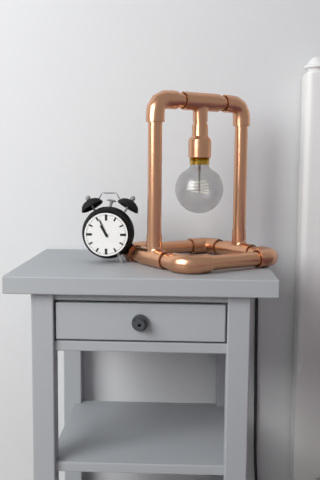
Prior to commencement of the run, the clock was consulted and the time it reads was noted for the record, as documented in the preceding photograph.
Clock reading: 10:56
